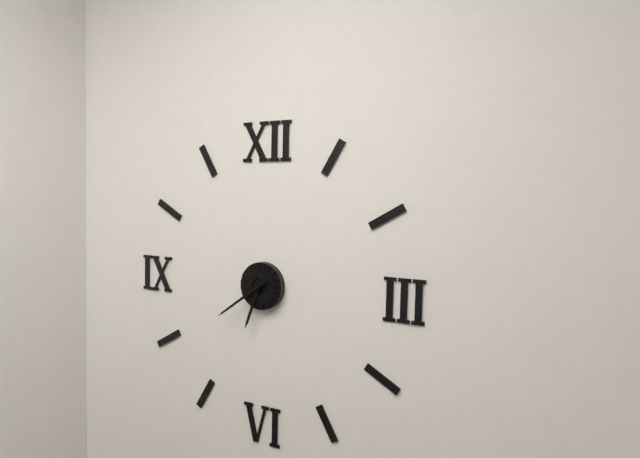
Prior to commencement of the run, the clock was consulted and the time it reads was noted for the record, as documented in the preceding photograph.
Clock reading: 6:39
